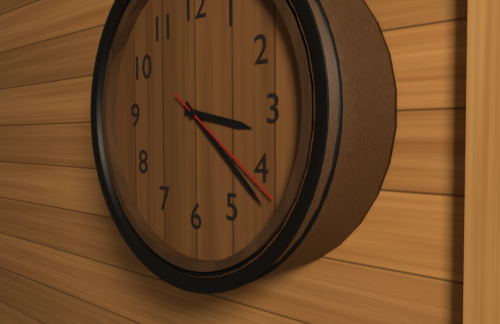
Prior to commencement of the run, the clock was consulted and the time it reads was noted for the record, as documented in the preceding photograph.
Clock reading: 3:22:21
